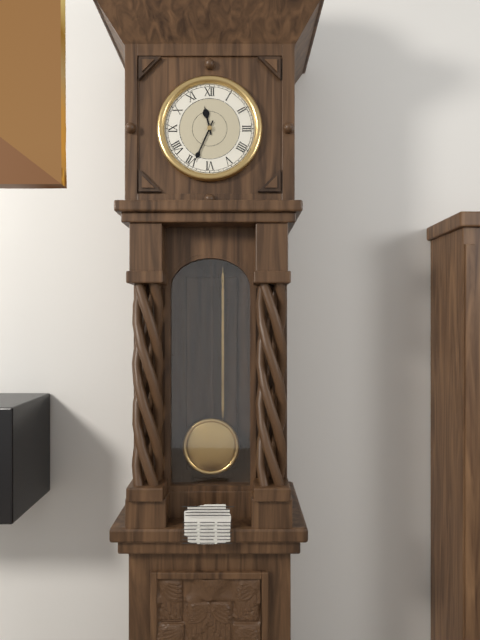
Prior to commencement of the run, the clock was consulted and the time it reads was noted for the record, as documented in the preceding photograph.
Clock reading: 11:34
